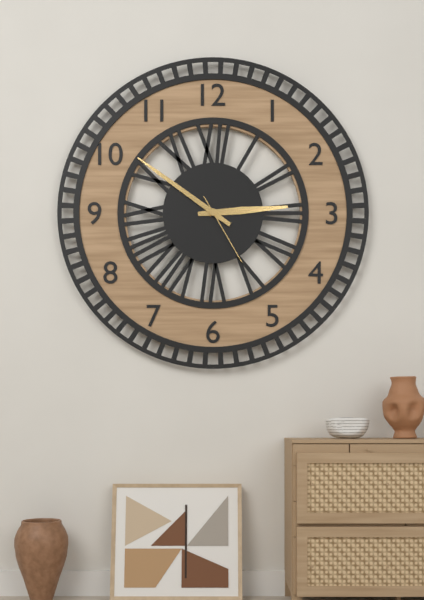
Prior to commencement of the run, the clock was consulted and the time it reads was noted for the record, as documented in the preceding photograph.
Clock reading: 2:51:25
